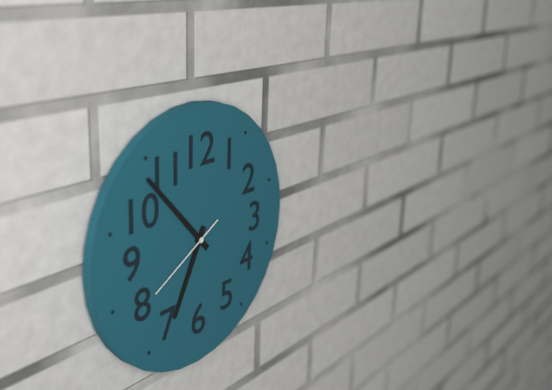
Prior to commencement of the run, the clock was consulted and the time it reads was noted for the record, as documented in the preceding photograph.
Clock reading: 6:53:40
